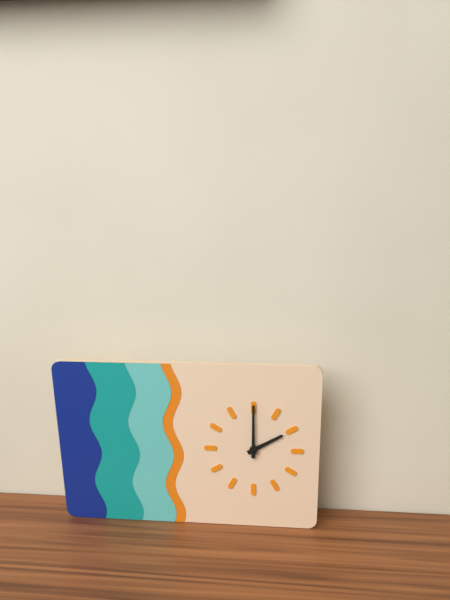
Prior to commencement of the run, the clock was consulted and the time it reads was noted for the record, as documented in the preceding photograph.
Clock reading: 2:00
